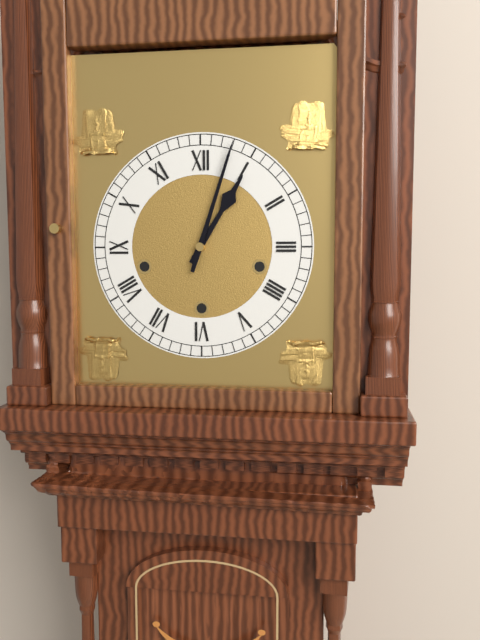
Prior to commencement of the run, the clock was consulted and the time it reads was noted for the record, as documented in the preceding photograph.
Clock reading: 1:03
